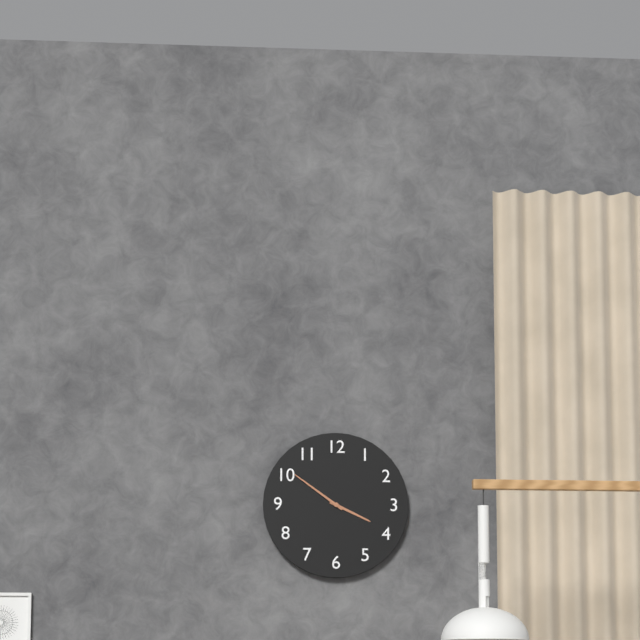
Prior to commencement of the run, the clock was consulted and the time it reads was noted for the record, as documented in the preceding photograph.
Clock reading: 3:51
